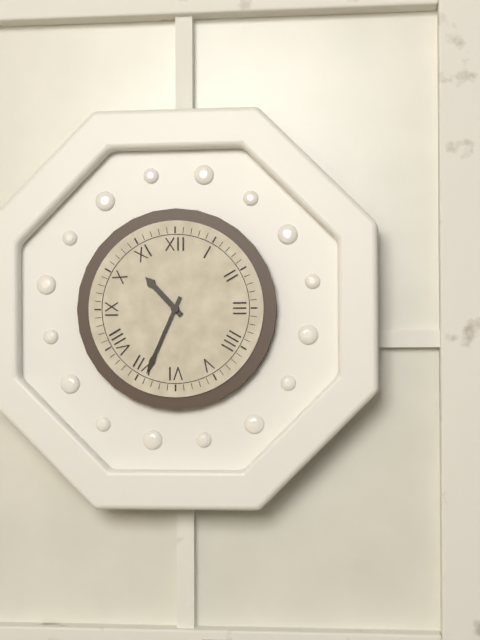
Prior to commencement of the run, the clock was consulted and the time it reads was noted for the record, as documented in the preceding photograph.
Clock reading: 10:34
